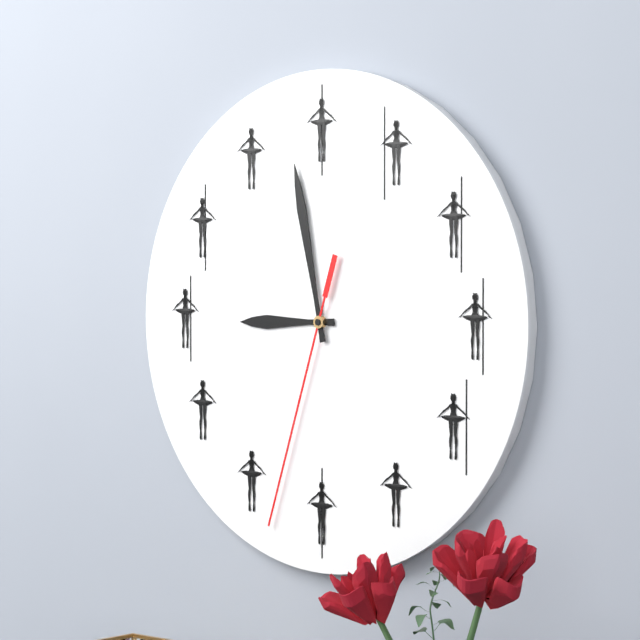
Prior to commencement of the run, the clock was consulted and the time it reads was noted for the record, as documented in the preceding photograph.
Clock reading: 8:58:33
